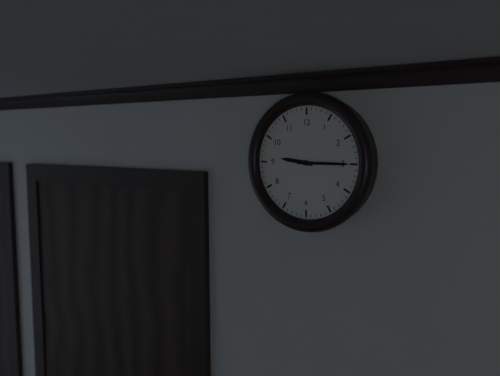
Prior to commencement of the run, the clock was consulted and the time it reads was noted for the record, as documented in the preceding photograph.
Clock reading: 9:15
